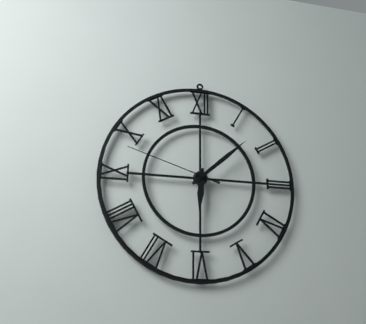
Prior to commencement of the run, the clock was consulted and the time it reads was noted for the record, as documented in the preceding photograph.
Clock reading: 6:08:48
